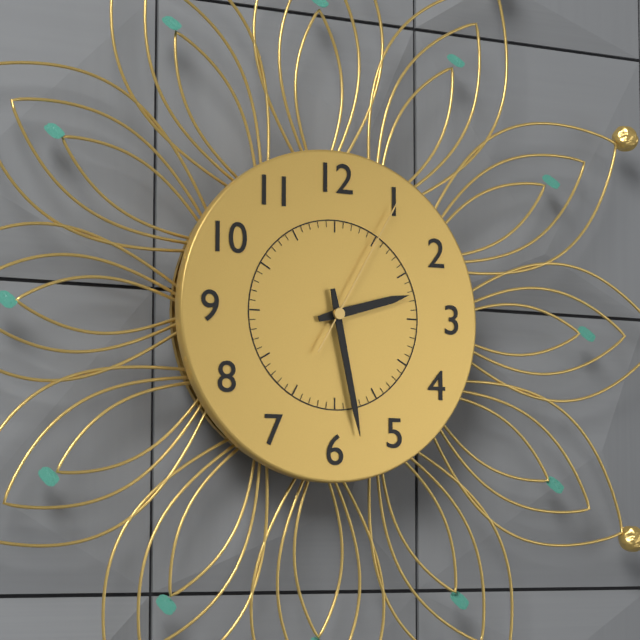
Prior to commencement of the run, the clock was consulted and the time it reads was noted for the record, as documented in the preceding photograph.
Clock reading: 2:28:05
